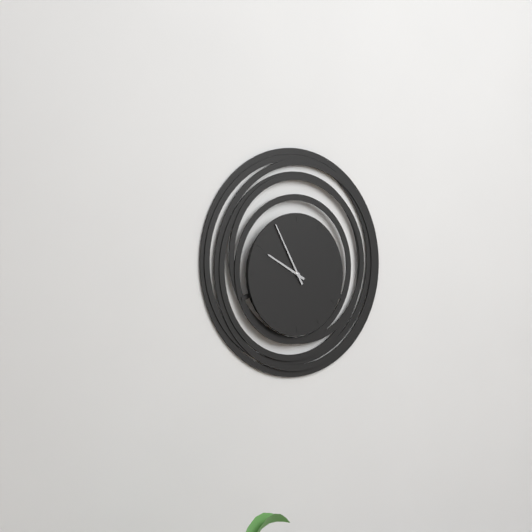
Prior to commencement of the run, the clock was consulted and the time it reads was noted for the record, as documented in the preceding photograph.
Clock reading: 9:55
